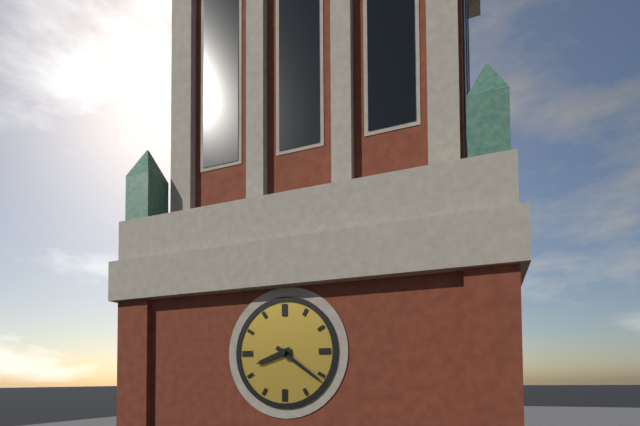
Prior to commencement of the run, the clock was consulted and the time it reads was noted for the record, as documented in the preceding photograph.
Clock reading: 8:21
